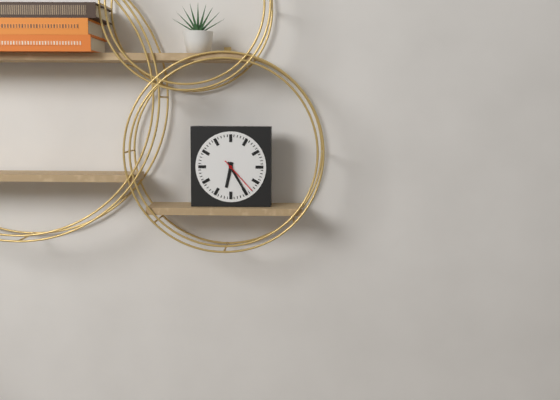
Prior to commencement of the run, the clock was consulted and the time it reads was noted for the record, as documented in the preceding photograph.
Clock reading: 6:25
